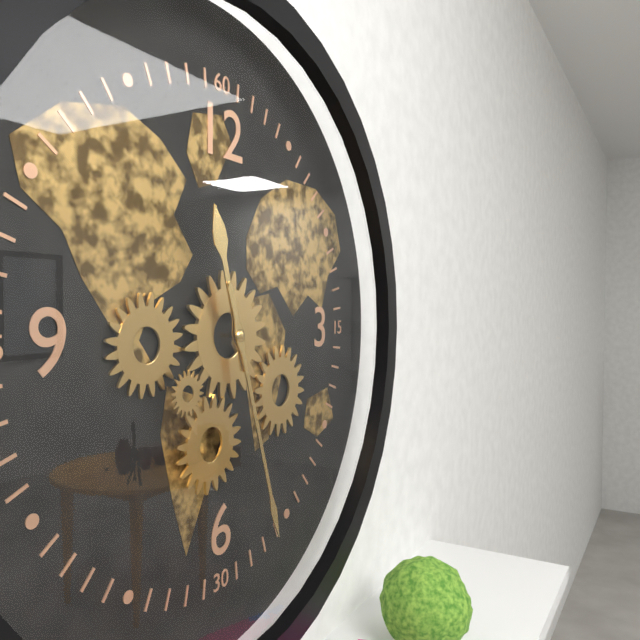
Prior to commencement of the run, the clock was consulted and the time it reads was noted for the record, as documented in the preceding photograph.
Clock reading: 11:27
